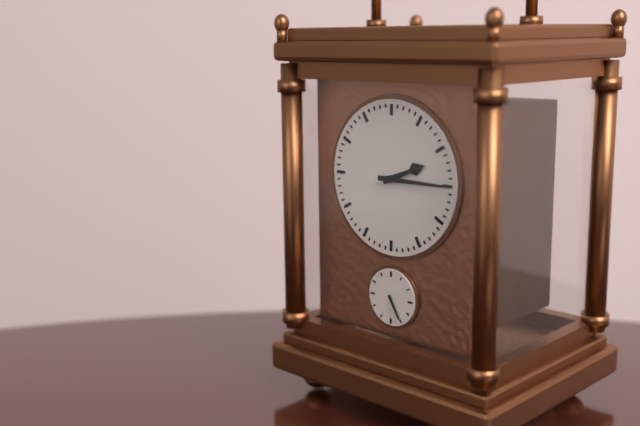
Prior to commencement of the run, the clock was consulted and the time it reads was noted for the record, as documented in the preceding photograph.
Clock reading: 2:15
